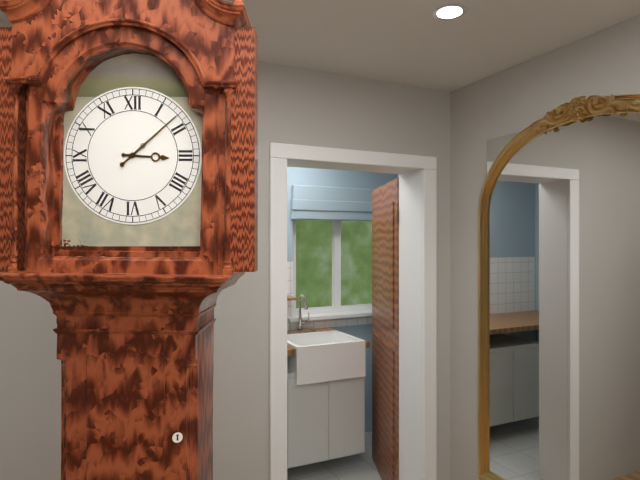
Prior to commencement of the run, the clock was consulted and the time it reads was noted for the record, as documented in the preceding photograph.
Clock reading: 3:08
